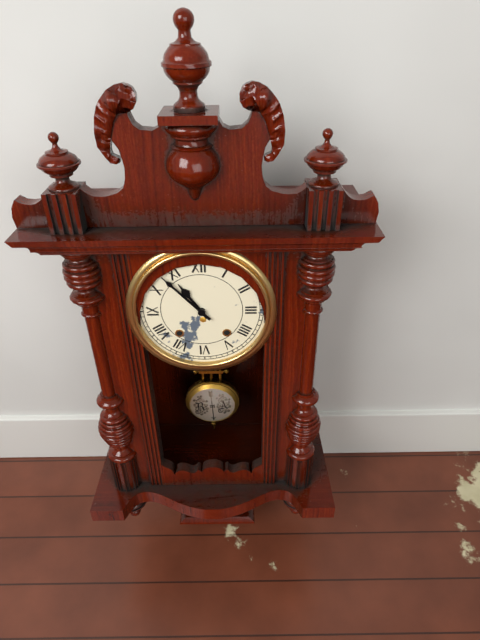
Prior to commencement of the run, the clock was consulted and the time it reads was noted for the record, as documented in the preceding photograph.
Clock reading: 10:53
